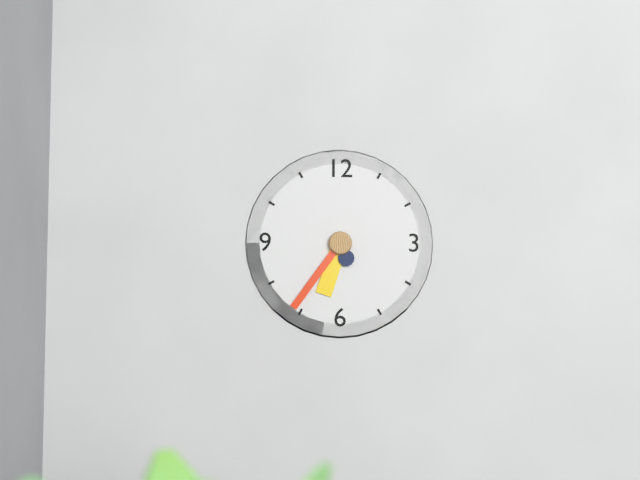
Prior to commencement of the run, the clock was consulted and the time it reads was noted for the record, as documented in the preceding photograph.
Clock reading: 6:36
